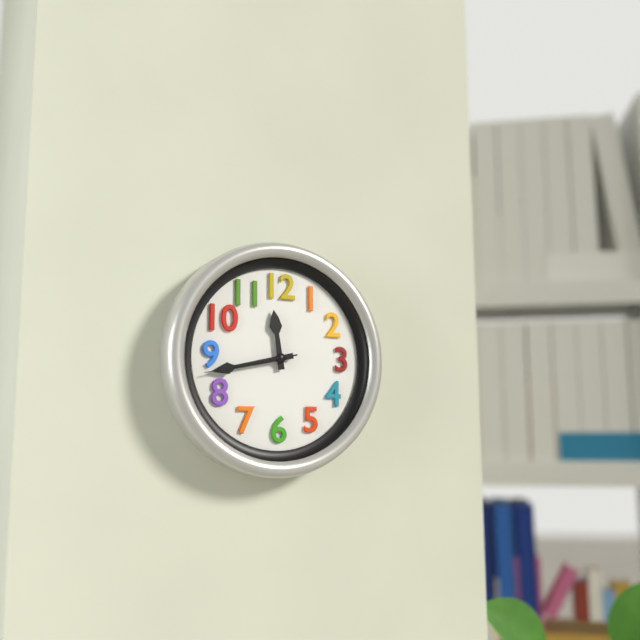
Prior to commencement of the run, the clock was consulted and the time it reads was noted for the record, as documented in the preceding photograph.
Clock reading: 11:43:43
